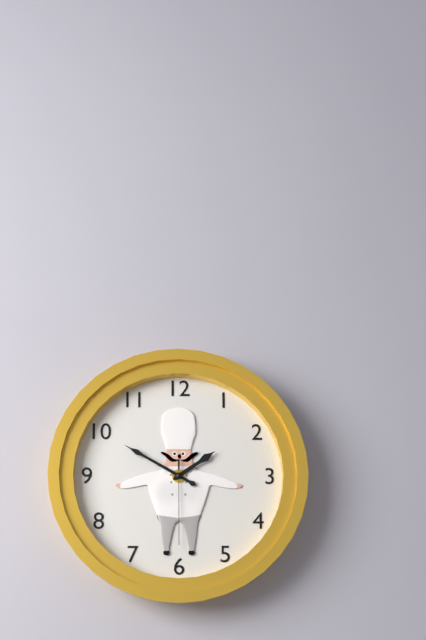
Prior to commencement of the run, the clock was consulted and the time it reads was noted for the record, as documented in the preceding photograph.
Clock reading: 1:50:30
